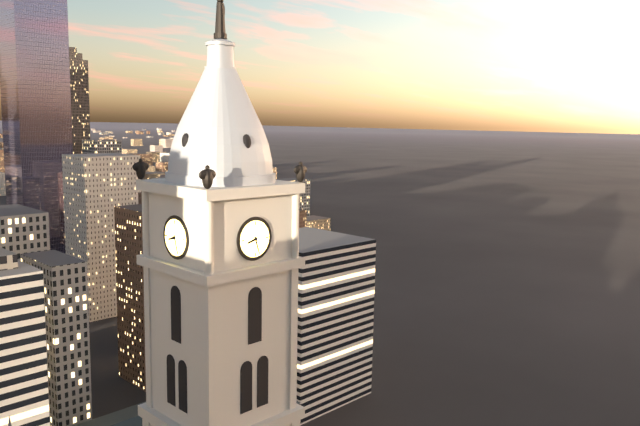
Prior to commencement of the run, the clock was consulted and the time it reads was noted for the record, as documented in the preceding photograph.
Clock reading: 8:27
